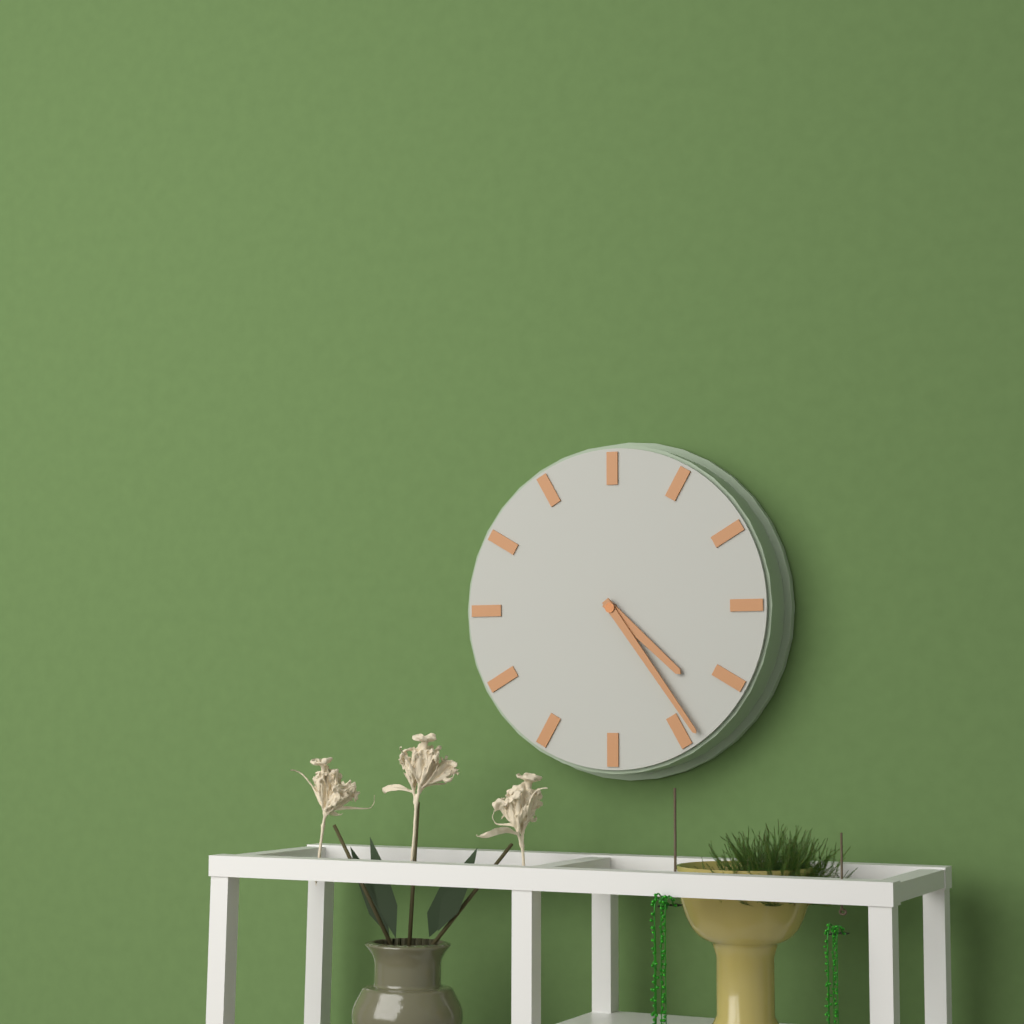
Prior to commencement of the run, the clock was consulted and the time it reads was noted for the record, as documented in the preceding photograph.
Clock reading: 4:24
